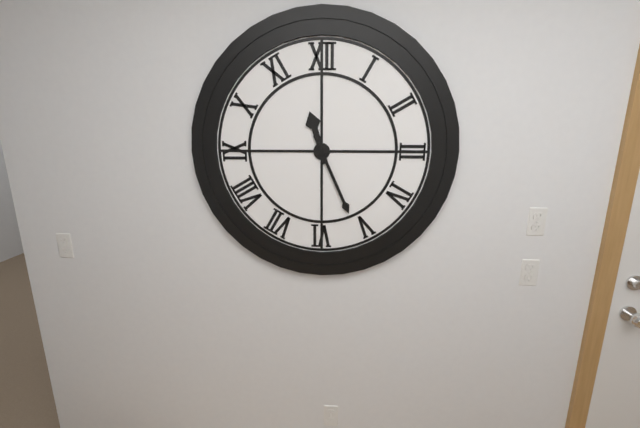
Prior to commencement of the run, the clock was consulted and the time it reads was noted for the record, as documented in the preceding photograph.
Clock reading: 11:26
